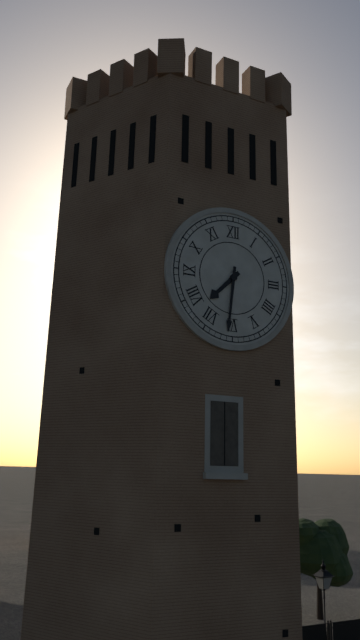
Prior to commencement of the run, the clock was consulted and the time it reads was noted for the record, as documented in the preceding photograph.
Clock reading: 7:31
